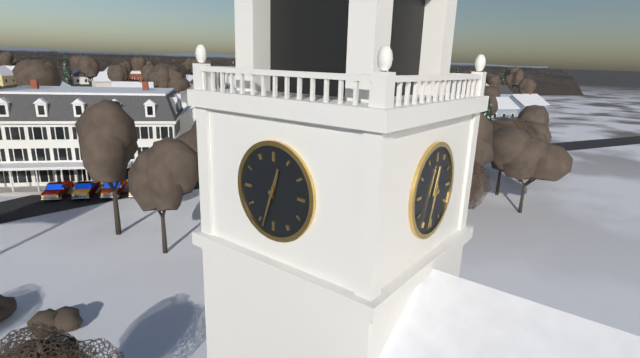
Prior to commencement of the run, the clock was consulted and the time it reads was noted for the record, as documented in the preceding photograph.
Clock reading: 12:33
